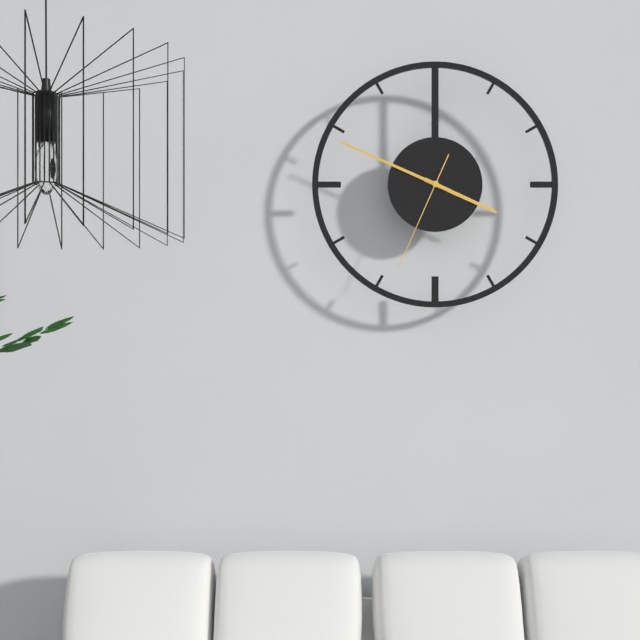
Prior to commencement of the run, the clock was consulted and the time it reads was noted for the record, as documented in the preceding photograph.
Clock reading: 3:49:34
